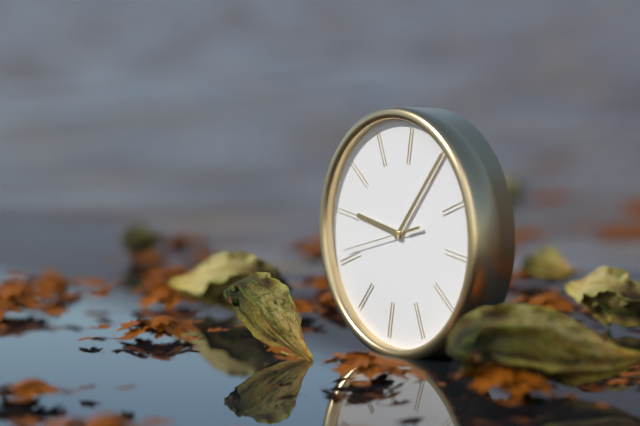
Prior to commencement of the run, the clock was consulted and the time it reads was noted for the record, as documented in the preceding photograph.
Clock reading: 9:05:41
